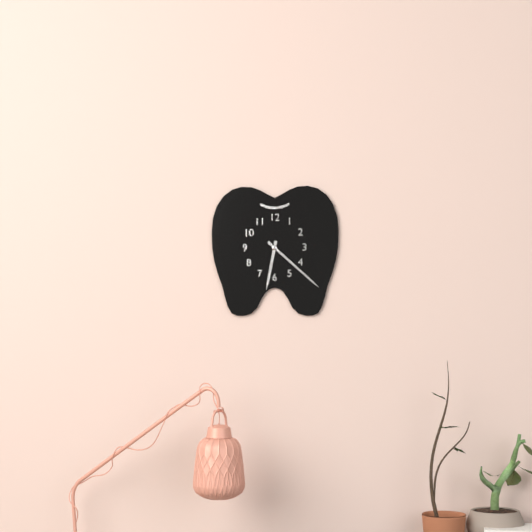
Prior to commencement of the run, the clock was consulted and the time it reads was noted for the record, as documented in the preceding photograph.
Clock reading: 6:22
